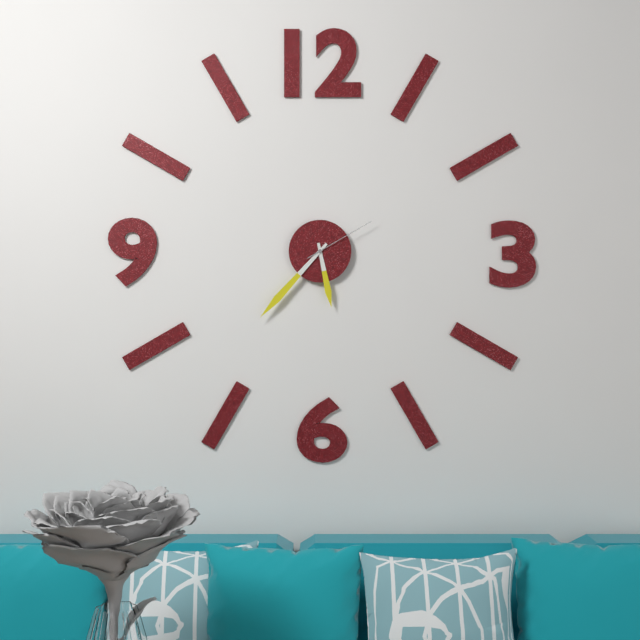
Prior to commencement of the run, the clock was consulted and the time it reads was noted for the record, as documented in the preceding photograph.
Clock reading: 5:37:10
